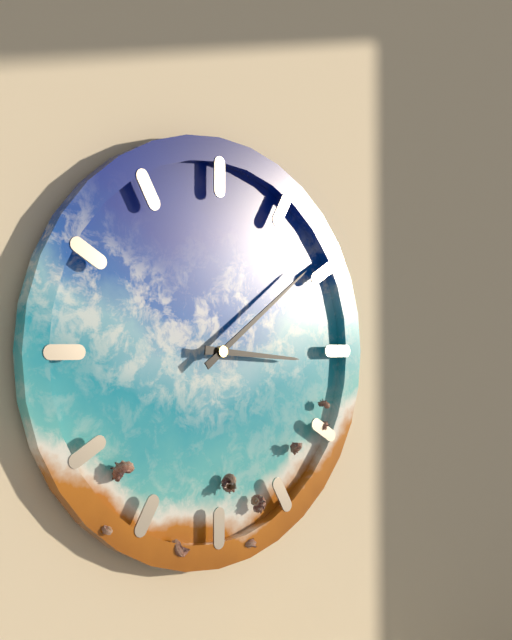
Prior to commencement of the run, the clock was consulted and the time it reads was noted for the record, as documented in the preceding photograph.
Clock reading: 3:09
